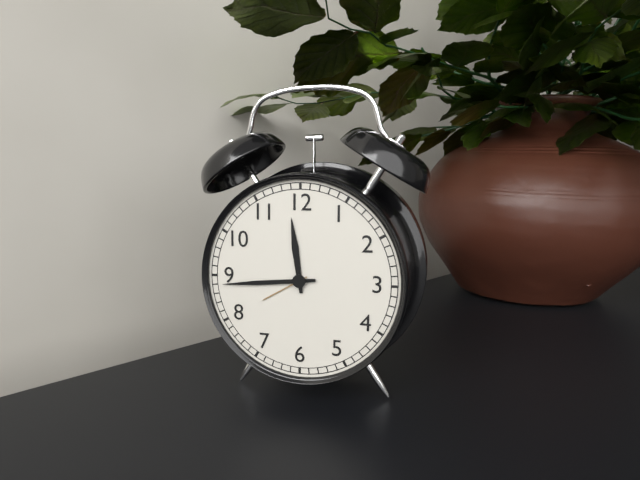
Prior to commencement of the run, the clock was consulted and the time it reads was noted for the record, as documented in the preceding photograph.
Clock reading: 11:44
